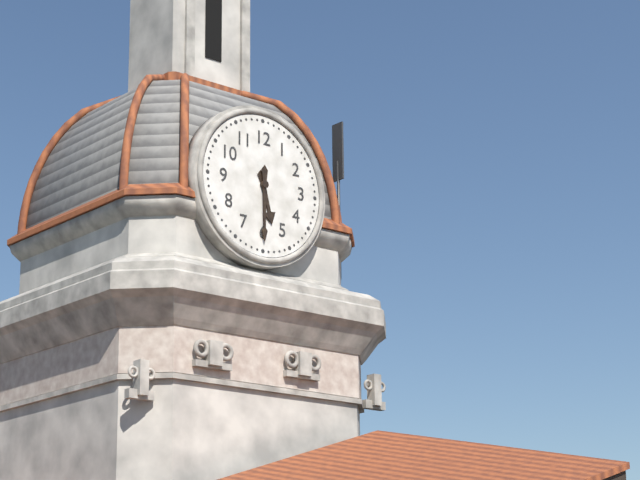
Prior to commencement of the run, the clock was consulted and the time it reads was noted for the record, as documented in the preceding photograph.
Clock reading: 5:30
